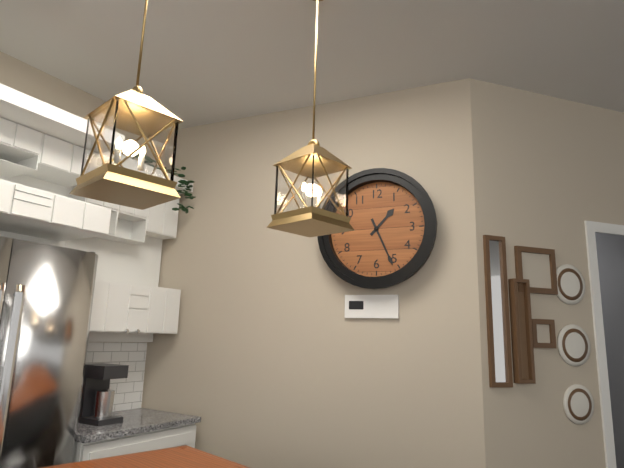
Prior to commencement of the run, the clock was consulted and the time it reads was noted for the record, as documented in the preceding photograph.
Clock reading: 1:26
